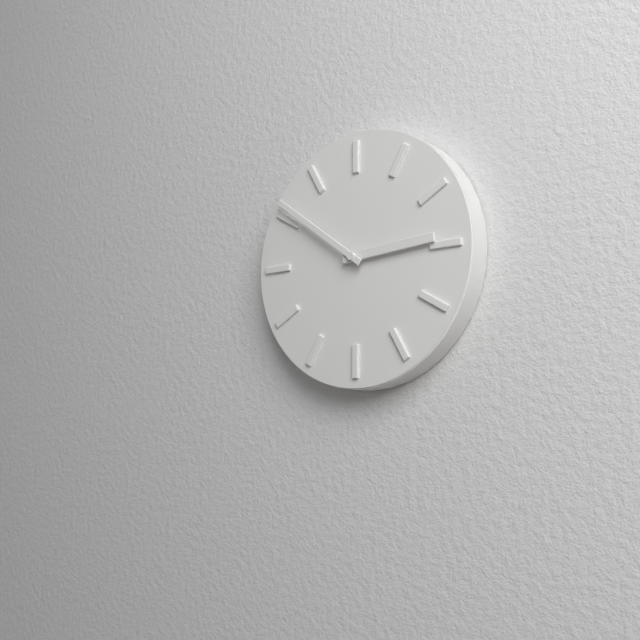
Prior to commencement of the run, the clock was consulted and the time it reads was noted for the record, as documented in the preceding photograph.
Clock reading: 2:51
